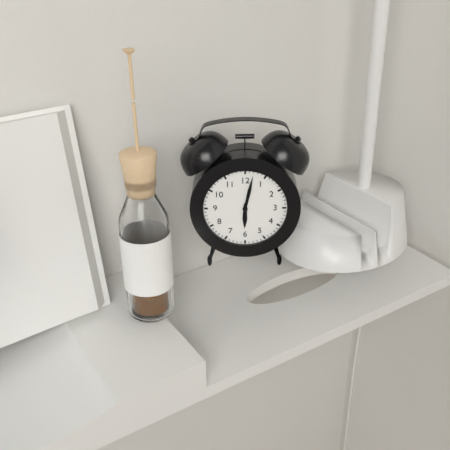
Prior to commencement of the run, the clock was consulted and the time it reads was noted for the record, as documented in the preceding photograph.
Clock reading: 6:02
